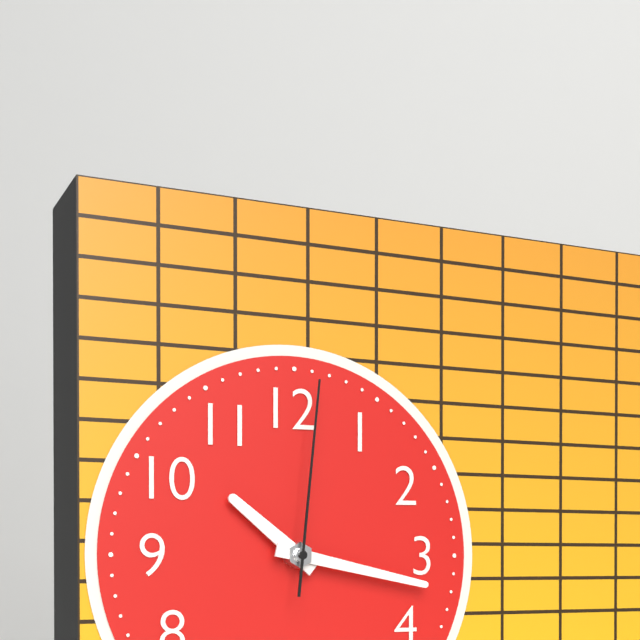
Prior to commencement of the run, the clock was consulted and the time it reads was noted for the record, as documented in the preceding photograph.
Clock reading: 10:17:01
